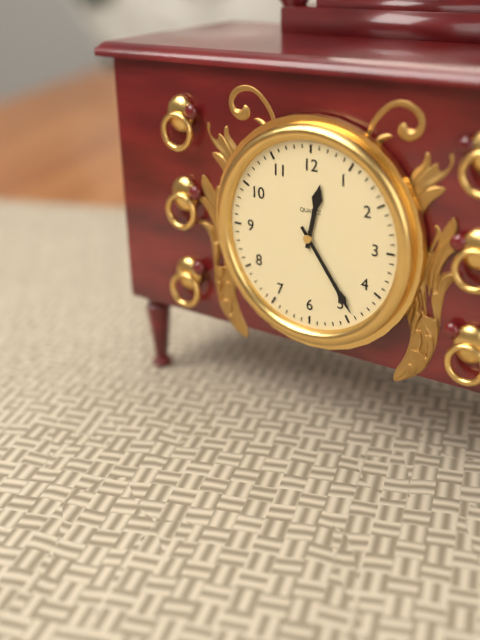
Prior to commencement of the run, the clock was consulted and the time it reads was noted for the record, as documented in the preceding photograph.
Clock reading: 12:24
